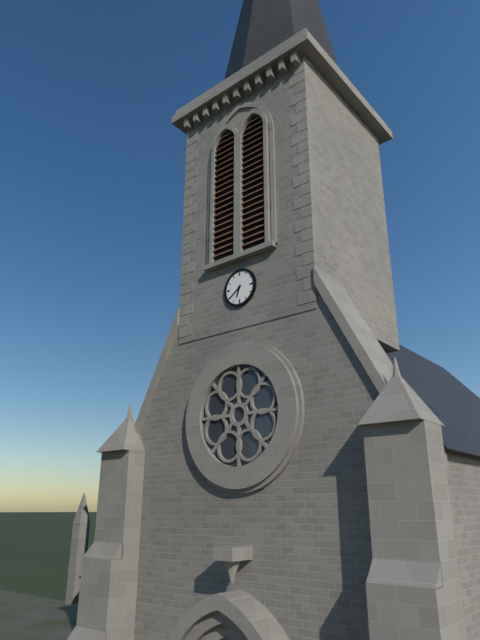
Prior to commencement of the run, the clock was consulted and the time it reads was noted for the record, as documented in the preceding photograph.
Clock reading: 6:39
